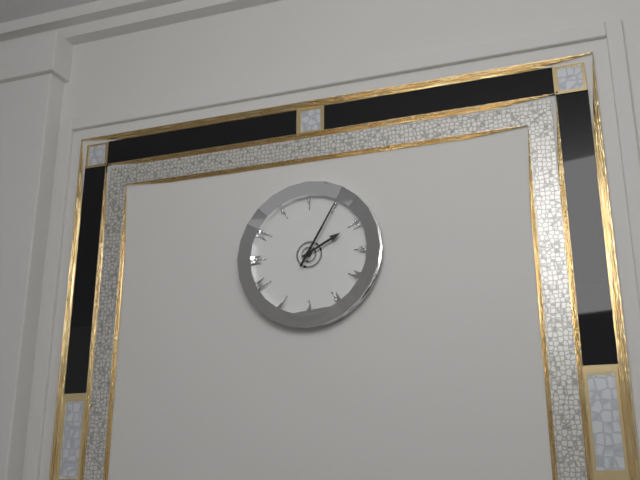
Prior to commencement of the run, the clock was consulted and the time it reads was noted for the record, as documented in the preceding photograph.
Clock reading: 2:05
